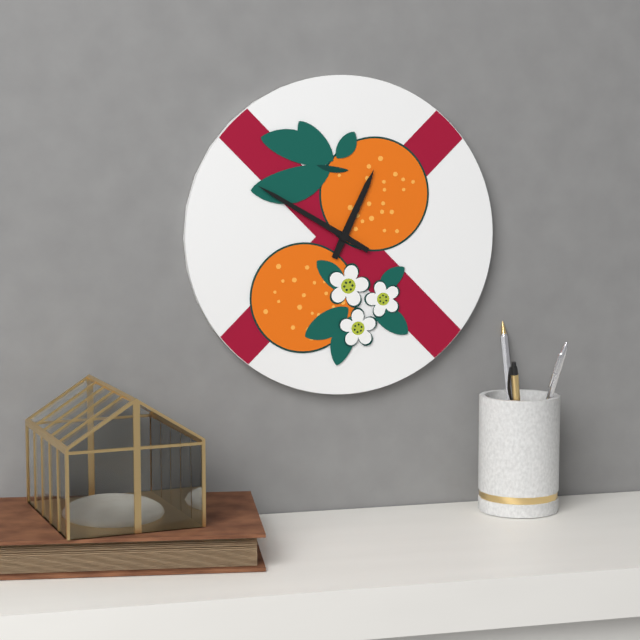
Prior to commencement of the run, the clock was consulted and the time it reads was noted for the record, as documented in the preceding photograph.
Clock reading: 12:50
